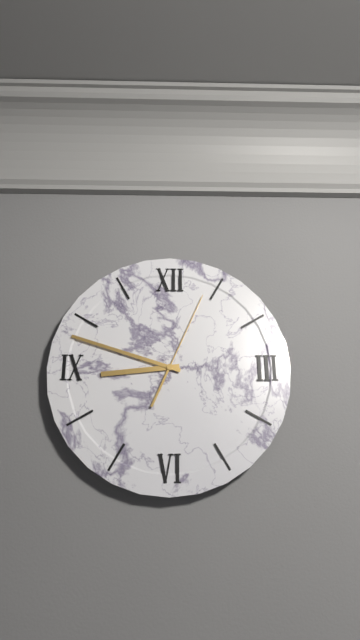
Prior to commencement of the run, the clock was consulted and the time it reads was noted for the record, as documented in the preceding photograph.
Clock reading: 8:48:04
